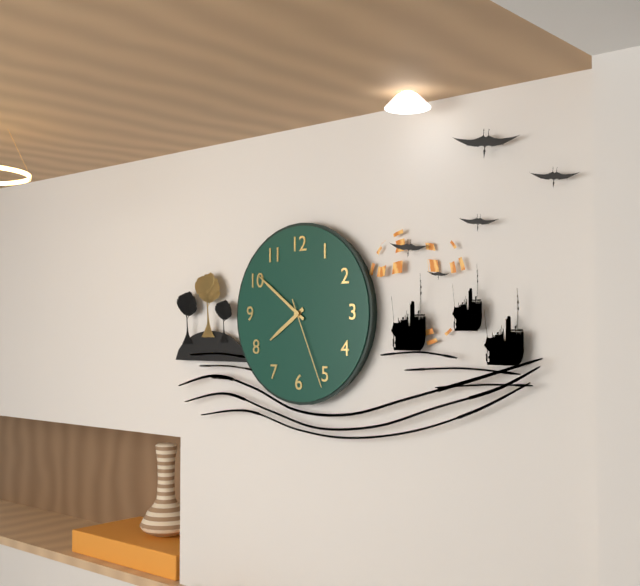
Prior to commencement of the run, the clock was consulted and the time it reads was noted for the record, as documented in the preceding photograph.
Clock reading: 7:51:26
